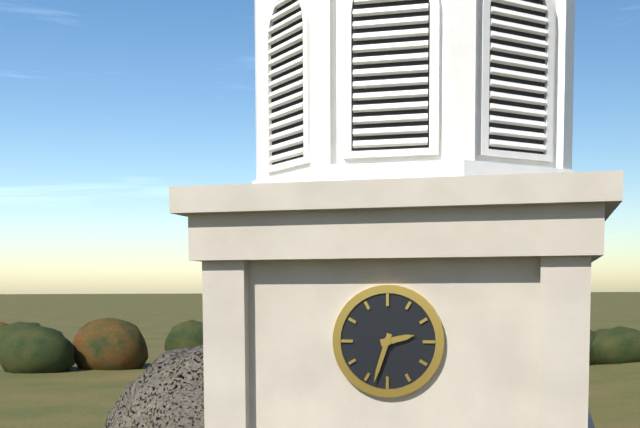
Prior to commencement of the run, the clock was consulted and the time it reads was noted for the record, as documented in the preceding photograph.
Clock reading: 2:33
